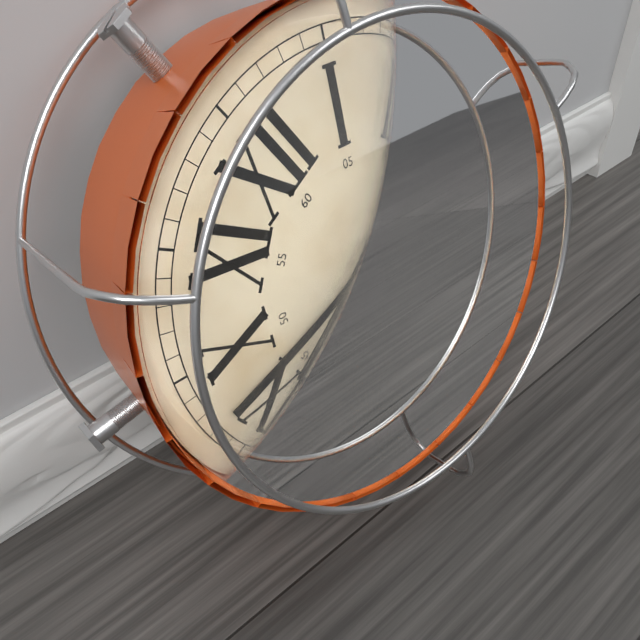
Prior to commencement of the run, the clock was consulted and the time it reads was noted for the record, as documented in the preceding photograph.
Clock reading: 8:47
